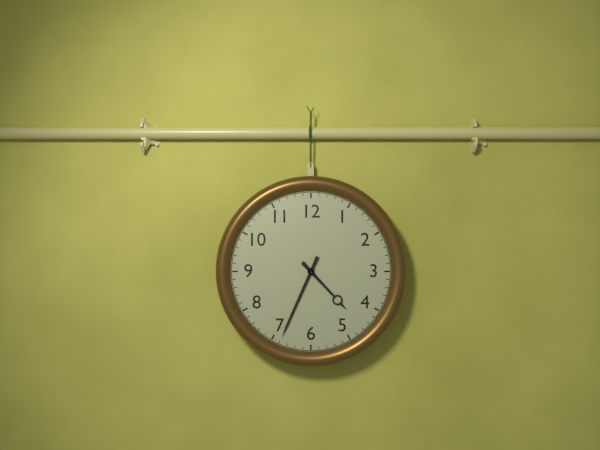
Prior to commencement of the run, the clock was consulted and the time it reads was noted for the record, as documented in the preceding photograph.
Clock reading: 4:34
